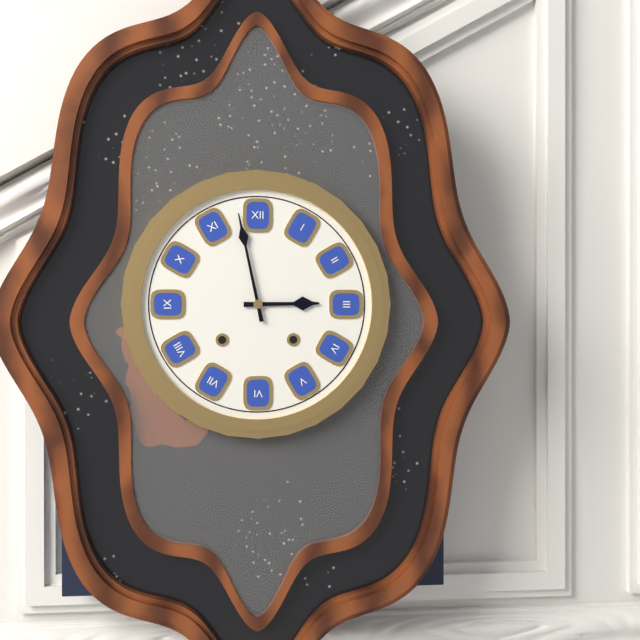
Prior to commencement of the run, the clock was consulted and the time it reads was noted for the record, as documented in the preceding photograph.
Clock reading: 2:58
